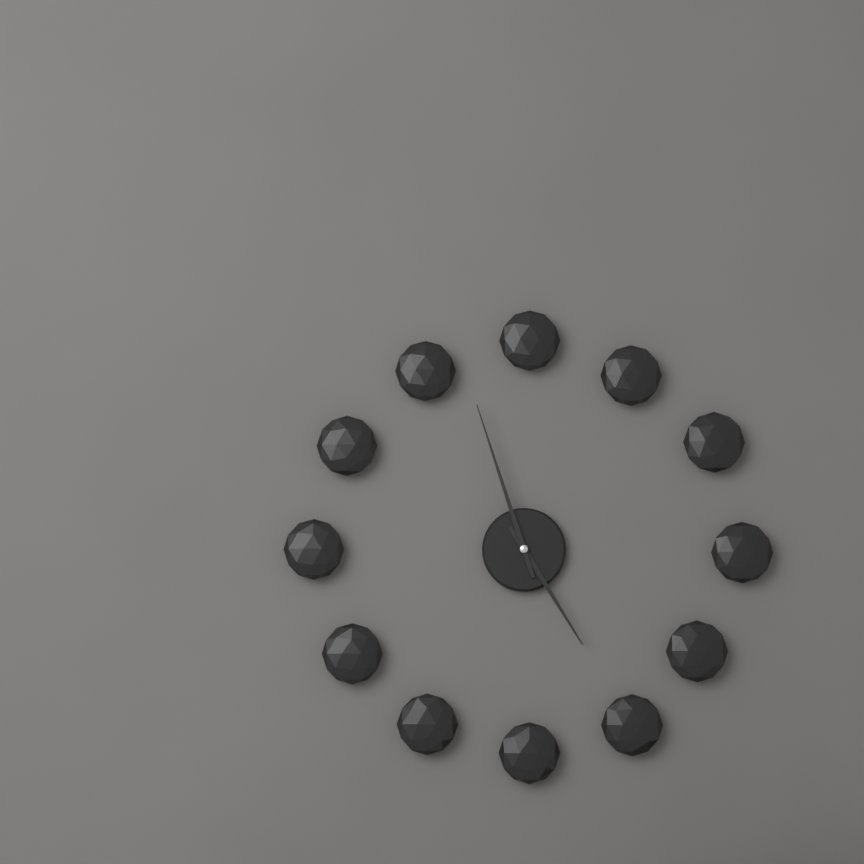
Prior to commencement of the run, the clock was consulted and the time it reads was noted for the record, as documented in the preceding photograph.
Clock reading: 4:57
